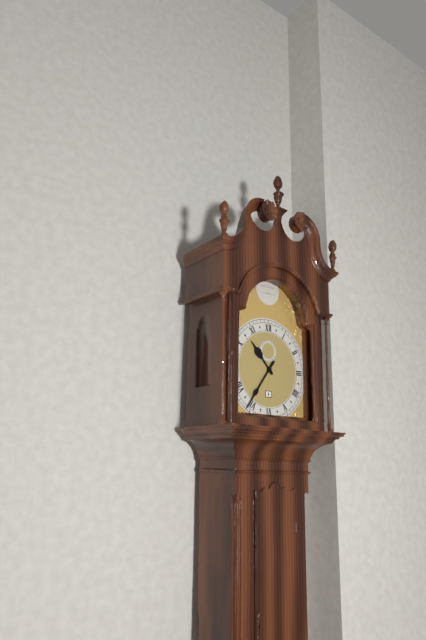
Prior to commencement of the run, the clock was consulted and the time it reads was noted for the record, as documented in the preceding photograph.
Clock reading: 10:36
